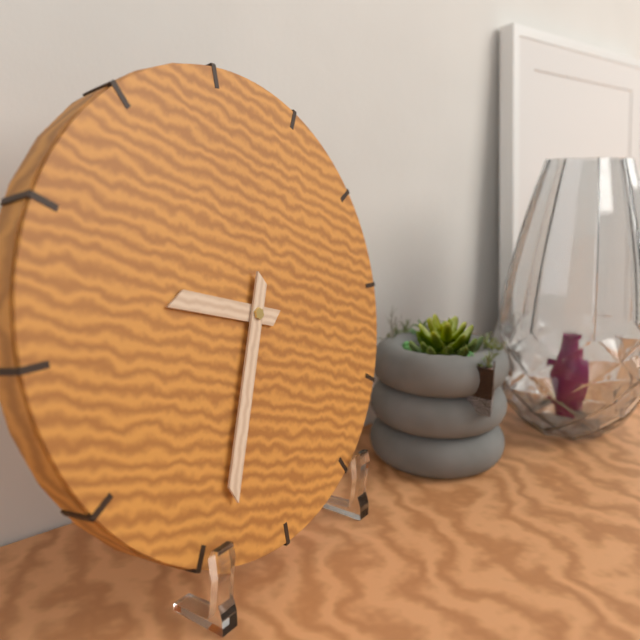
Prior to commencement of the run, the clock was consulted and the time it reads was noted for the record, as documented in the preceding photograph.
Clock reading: 9:34
